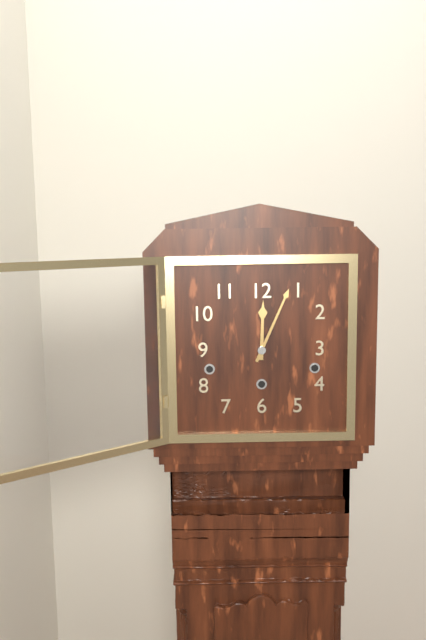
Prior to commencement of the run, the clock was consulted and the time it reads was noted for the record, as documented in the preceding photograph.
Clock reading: 12:04
